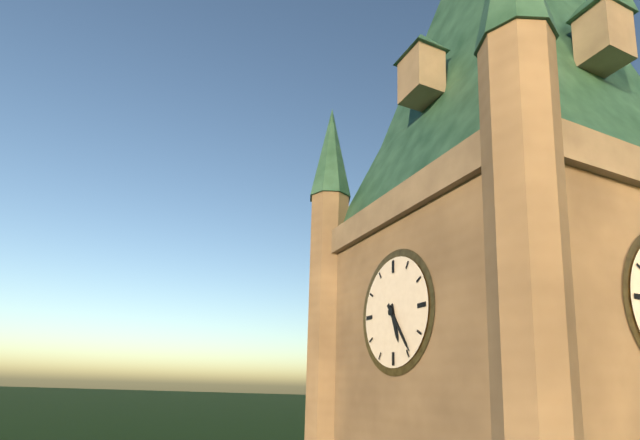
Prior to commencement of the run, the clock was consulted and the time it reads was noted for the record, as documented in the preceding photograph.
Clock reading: 5:24
